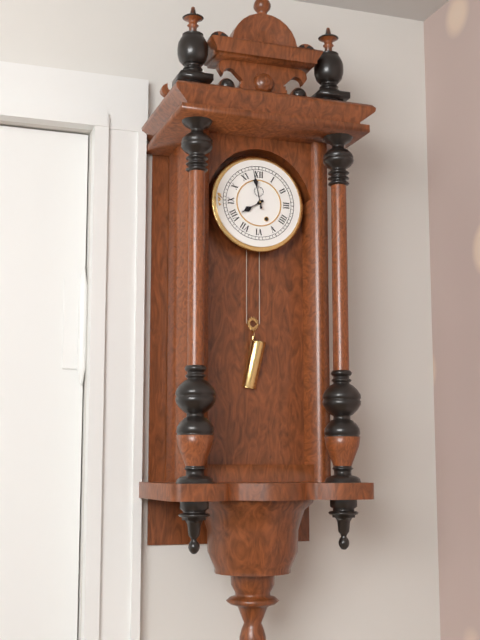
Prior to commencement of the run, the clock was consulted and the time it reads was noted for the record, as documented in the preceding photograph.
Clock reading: 7:58
